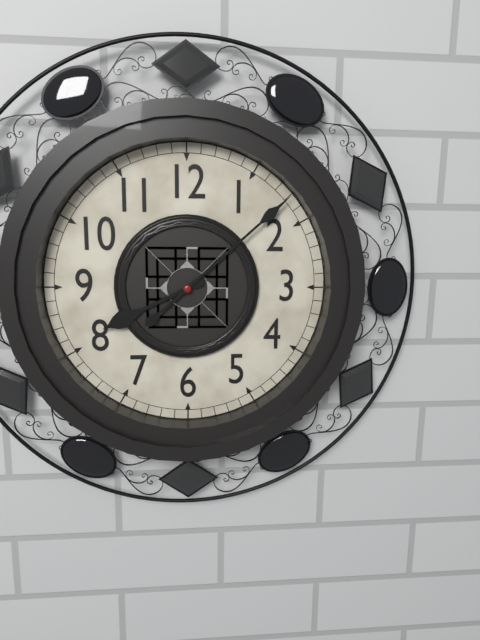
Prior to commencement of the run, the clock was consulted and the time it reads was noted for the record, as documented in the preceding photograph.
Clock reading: 8:08
